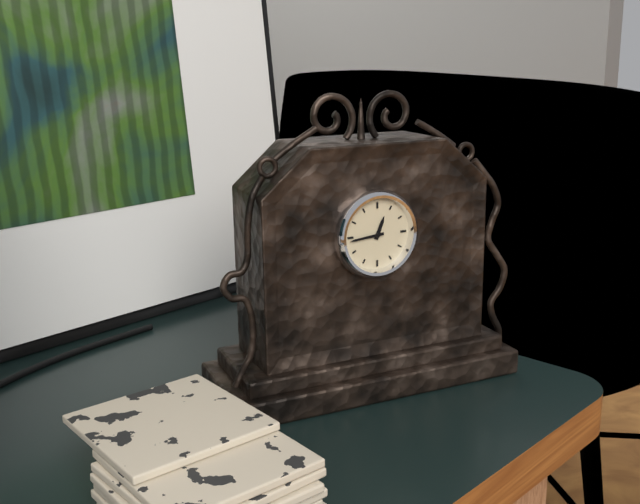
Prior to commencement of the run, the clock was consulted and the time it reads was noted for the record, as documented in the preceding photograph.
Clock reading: 12:44
